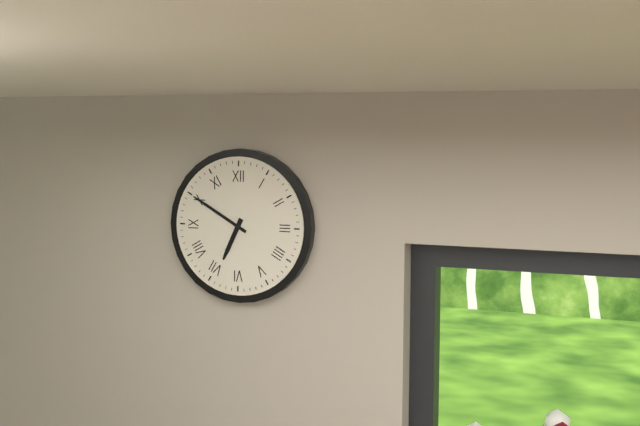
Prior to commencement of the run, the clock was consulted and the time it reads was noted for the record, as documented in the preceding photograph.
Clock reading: 6:50
